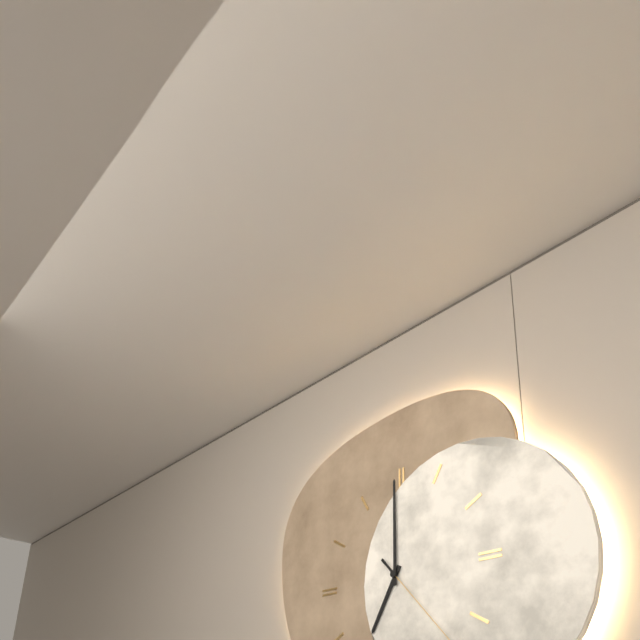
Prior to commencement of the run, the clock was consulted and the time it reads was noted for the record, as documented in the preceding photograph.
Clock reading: 7:00
